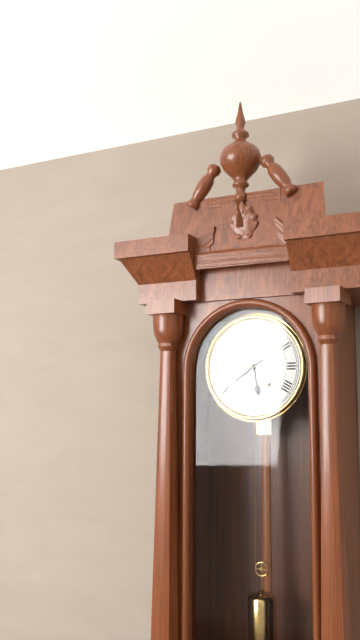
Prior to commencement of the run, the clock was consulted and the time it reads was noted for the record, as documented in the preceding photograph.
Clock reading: 5:39
